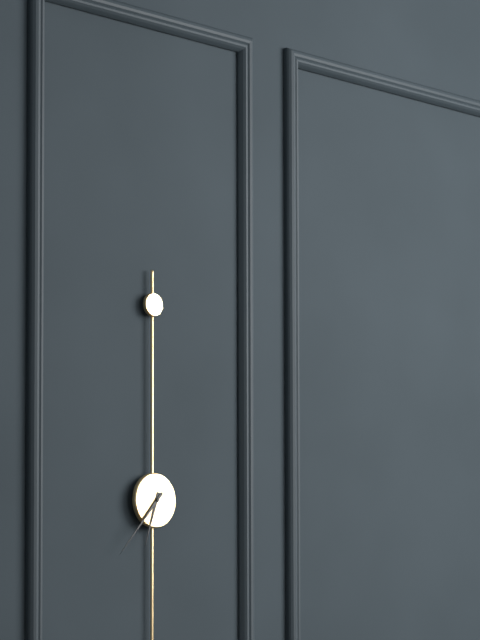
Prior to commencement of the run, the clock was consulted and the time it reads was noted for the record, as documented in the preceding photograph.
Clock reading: 6:37
